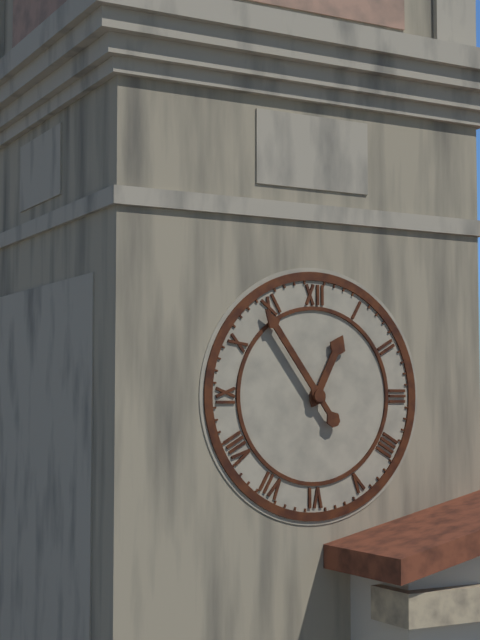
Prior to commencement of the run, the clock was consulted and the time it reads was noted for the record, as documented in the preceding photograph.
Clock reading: 12:54
